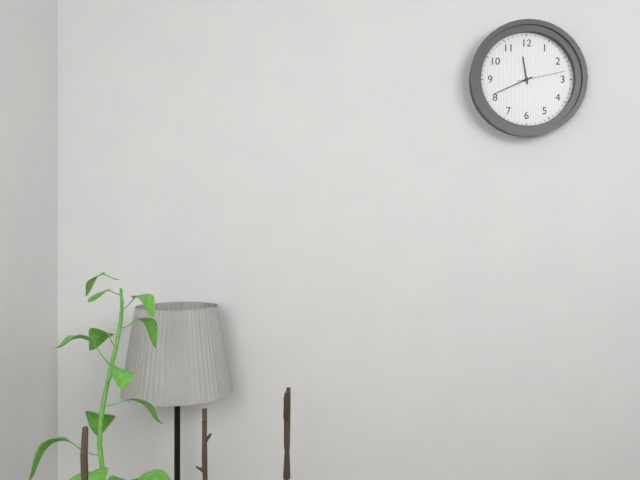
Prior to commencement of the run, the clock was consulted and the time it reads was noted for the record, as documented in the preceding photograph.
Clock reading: 11:41:13
